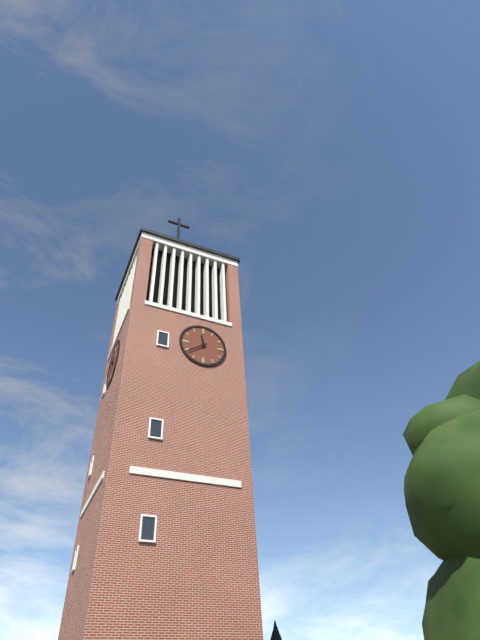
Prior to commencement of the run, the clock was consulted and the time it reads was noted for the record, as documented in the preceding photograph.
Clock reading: 11:39
